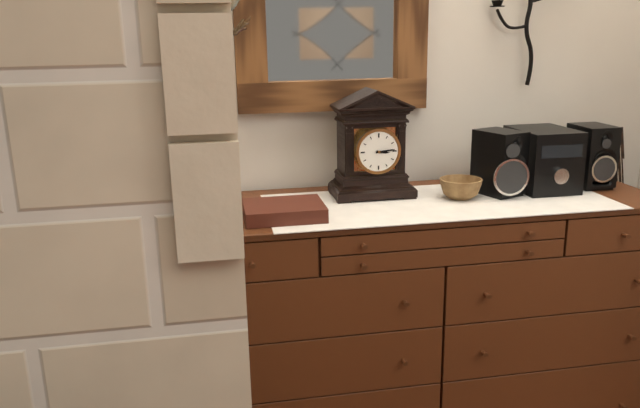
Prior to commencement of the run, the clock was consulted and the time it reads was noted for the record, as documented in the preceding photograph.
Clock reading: 3:14
